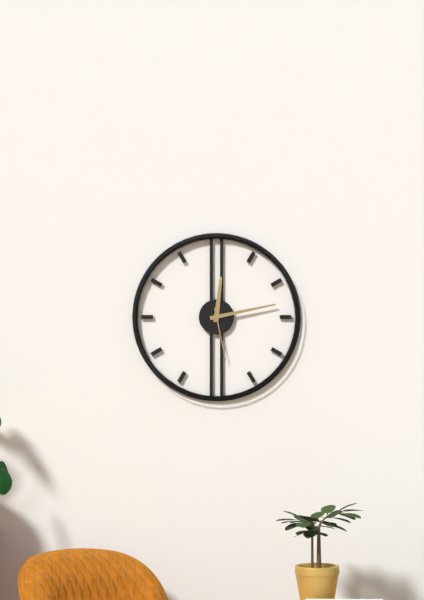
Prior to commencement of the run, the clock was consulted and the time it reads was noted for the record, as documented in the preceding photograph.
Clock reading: 12:13:28
